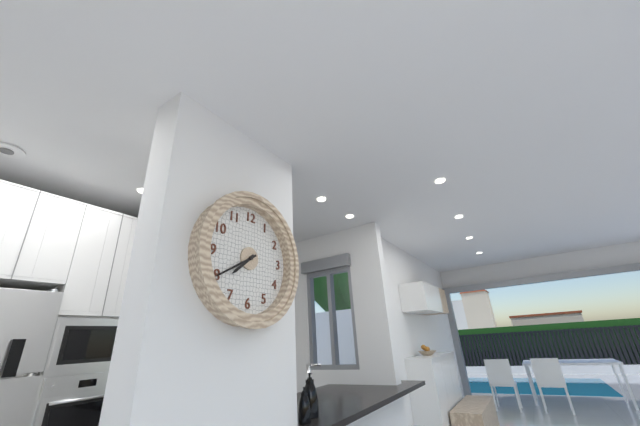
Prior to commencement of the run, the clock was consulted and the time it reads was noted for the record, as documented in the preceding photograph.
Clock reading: 7:40
